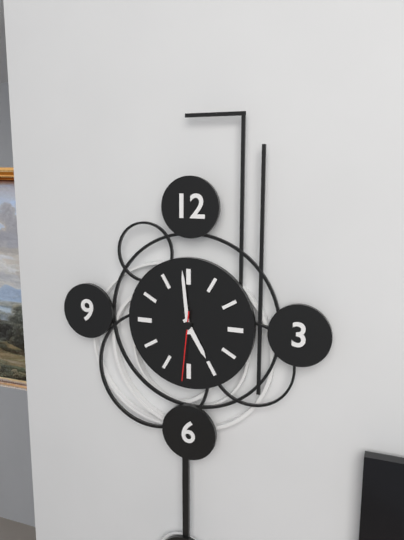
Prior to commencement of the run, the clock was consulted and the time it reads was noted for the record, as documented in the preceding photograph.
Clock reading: 4:59:31
